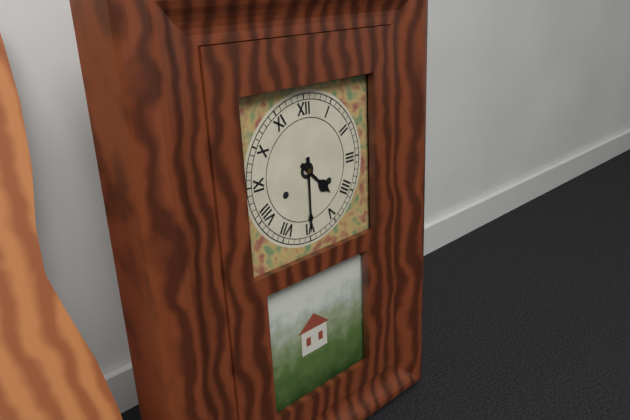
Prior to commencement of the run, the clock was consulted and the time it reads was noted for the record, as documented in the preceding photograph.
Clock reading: 4:30
